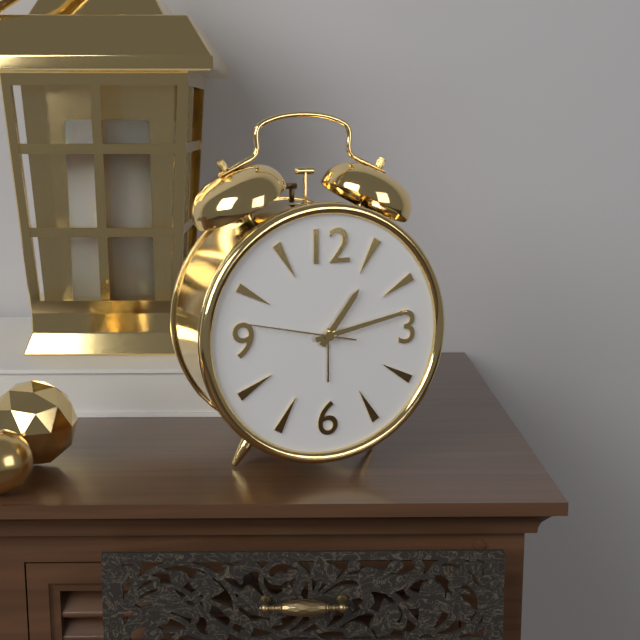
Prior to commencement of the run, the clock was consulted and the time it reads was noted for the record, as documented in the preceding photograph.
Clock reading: 1:13:47
